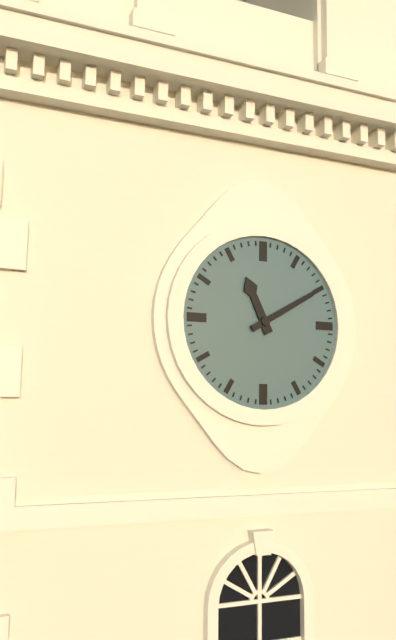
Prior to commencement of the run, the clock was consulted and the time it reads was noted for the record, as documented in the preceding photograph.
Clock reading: 11:10
